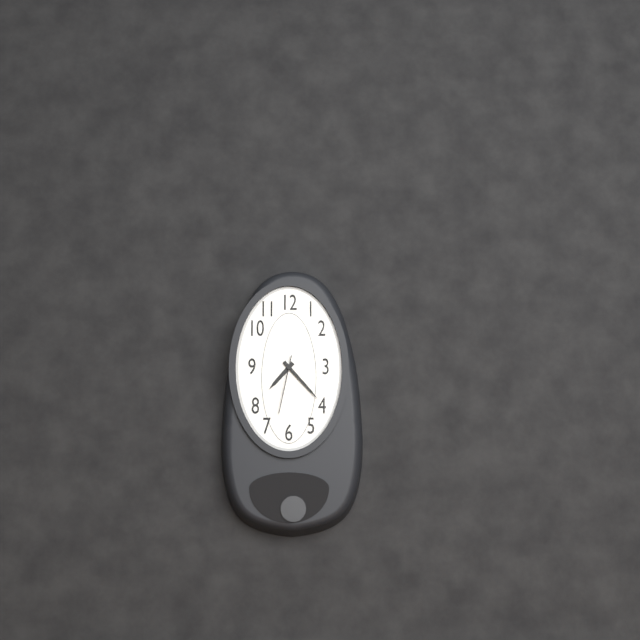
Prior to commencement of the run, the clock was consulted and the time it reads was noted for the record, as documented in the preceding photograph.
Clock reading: 7:23:32
